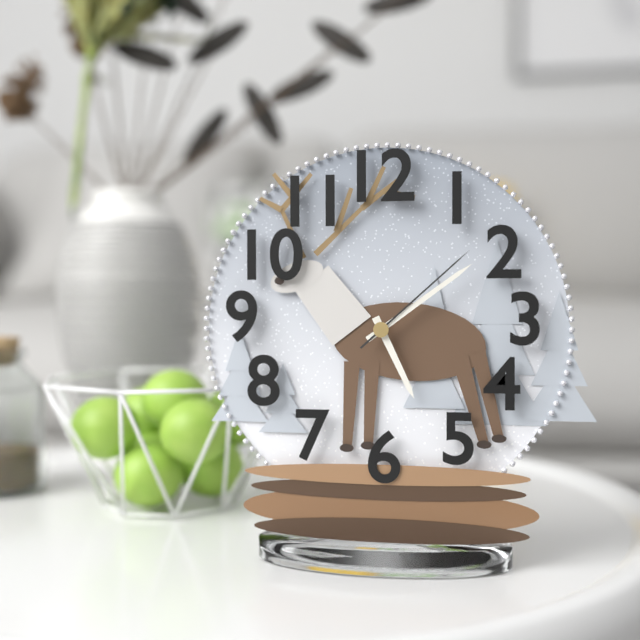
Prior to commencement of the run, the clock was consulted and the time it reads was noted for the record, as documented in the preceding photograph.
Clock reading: 5:09:08
